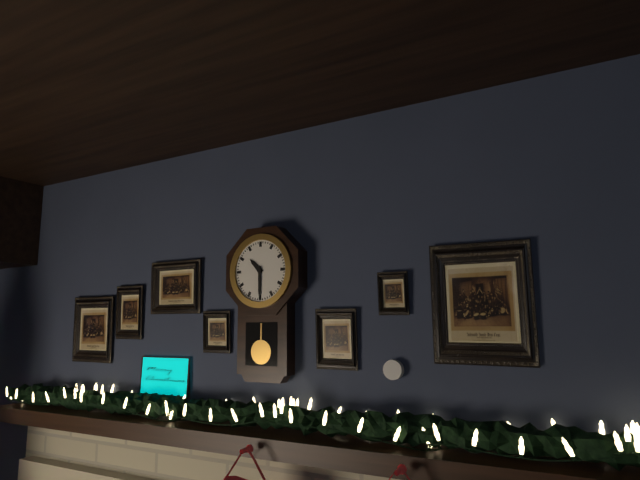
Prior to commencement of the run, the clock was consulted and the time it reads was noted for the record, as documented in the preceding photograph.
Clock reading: 10:30
